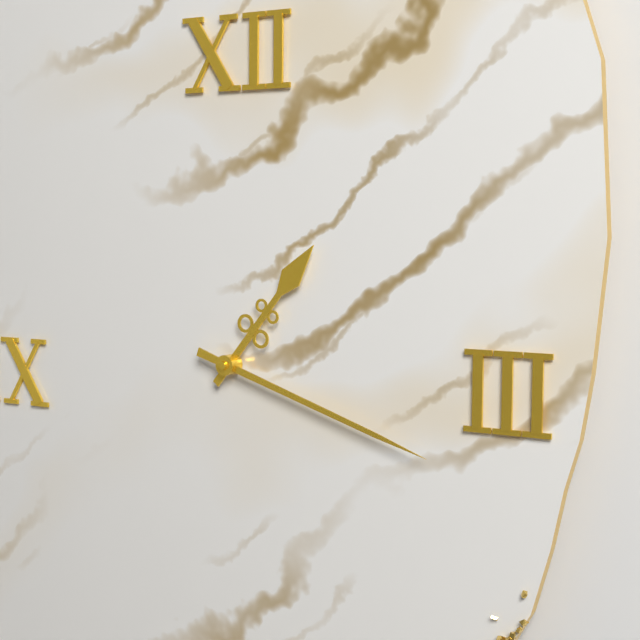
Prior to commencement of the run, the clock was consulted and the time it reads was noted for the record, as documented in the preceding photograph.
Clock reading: 1:18
